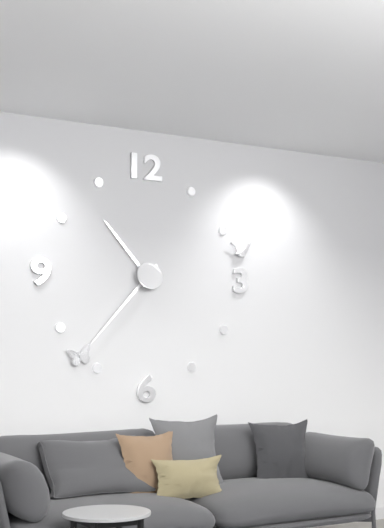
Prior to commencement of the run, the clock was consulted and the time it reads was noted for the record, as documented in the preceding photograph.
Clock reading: 10:37
